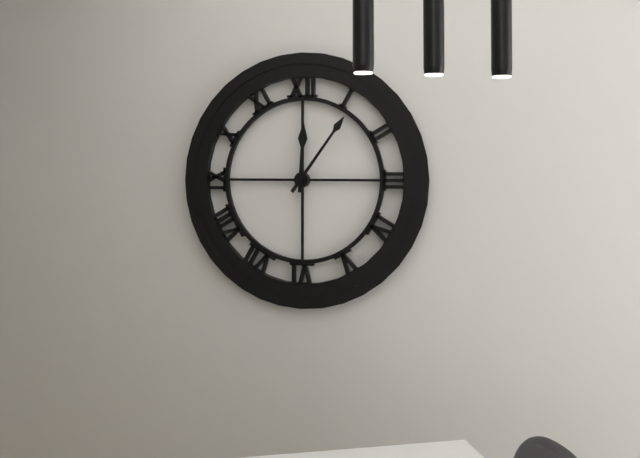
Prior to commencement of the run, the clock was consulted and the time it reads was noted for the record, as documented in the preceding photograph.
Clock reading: 12:06
